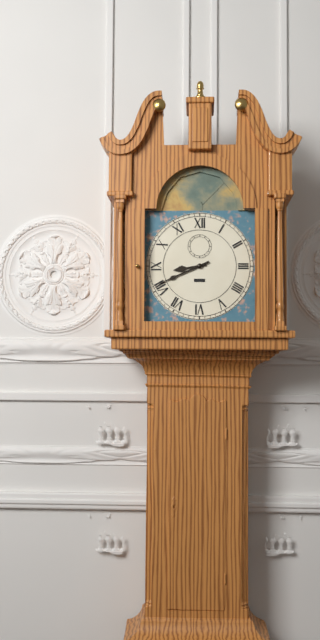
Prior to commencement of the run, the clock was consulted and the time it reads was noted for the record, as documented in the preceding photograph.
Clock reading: 8:41
